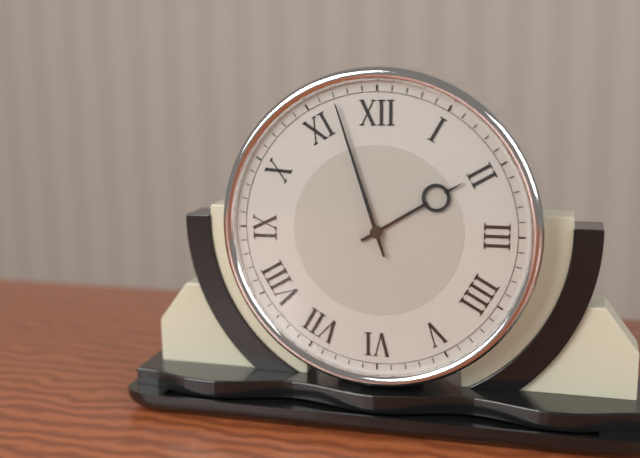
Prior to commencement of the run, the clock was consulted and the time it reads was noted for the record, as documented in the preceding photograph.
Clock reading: 1:57
